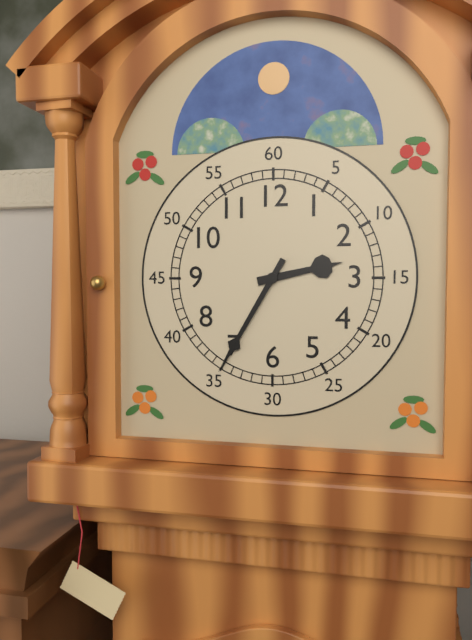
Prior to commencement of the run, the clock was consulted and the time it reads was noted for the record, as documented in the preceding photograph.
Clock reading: 2:35
